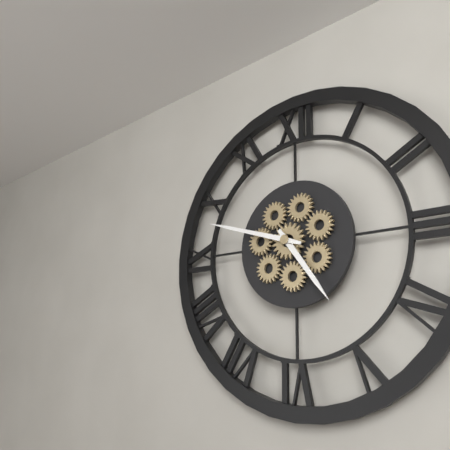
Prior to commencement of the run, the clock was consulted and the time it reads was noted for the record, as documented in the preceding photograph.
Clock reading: 4:48
